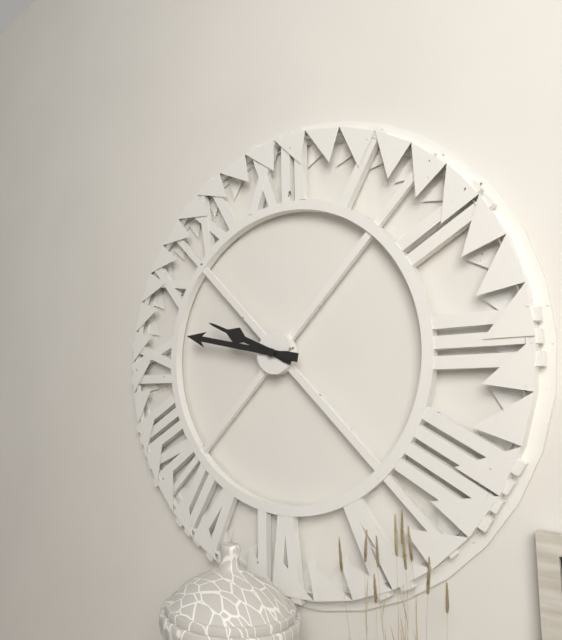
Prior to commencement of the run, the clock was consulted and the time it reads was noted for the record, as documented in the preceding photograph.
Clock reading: 9:47
